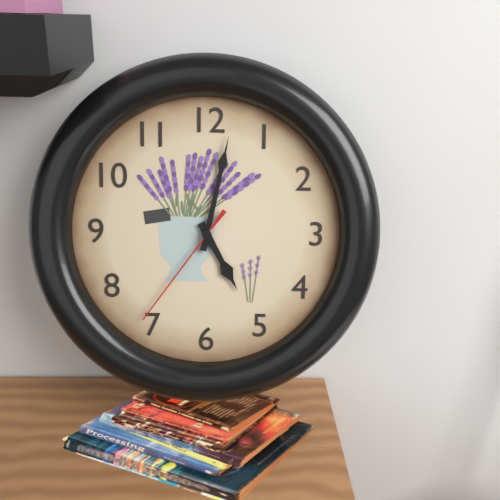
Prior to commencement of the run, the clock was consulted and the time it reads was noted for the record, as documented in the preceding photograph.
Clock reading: 5:02:36
